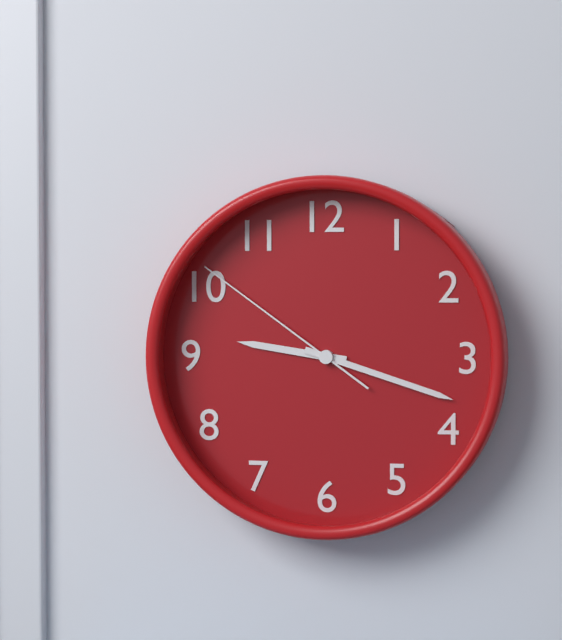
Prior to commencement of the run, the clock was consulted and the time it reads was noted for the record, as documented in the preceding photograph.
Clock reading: 9:18:51
